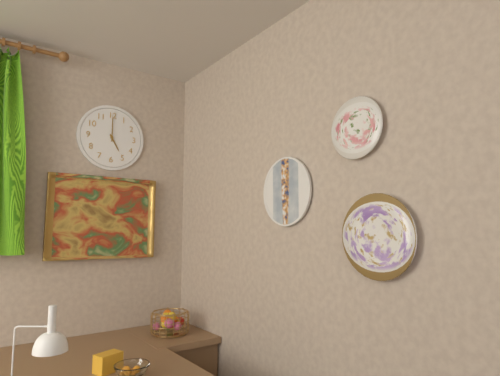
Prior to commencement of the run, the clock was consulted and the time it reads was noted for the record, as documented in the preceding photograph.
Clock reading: 5:00
